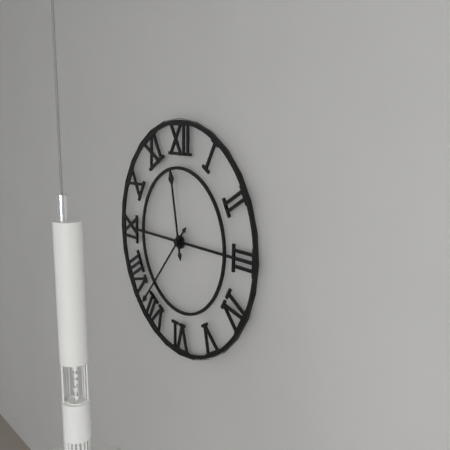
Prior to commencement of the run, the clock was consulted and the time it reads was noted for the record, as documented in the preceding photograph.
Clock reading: 11:37
